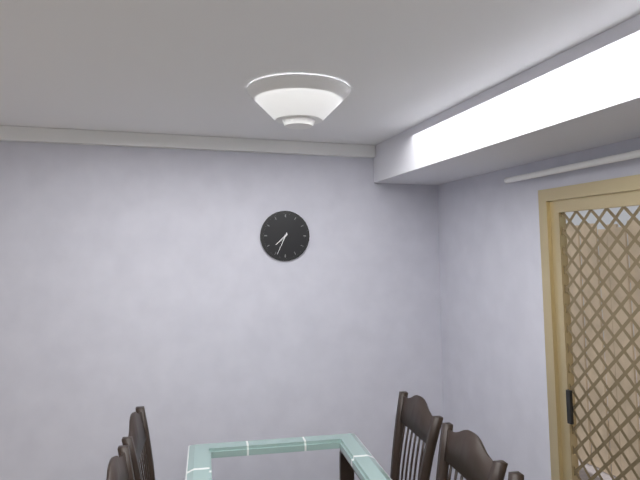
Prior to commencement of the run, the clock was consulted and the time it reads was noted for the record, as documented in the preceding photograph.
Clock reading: 7:34
